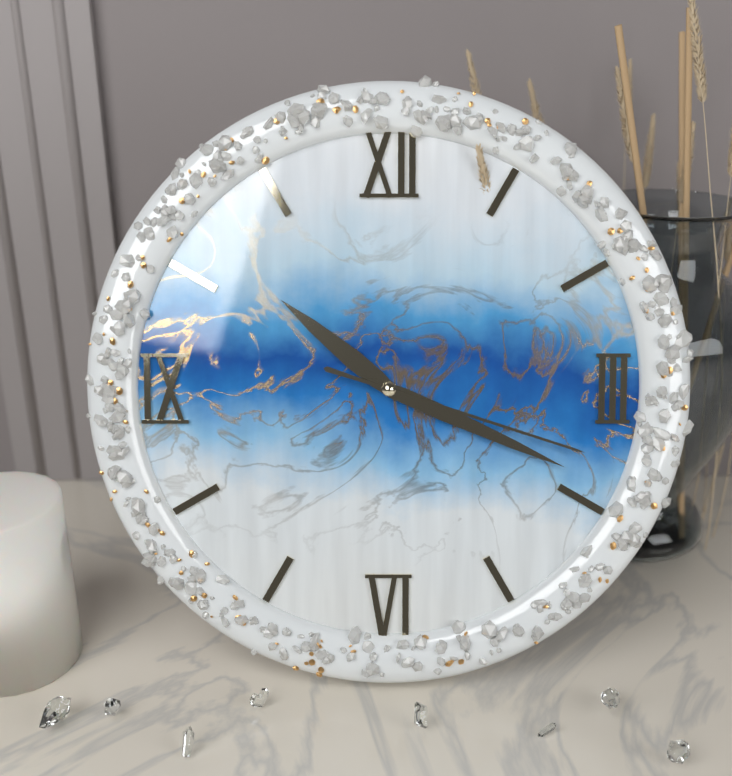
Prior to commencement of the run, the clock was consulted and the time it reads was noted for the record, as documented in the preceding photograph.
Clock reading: 10:19:18
